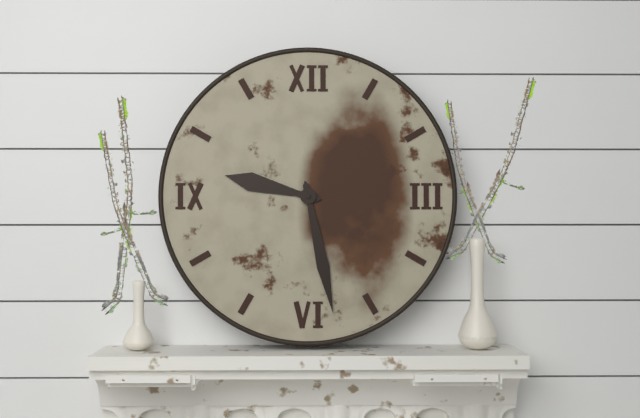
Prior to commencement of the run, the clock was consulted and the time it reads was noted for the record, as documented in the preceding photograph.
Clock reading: 9:28
